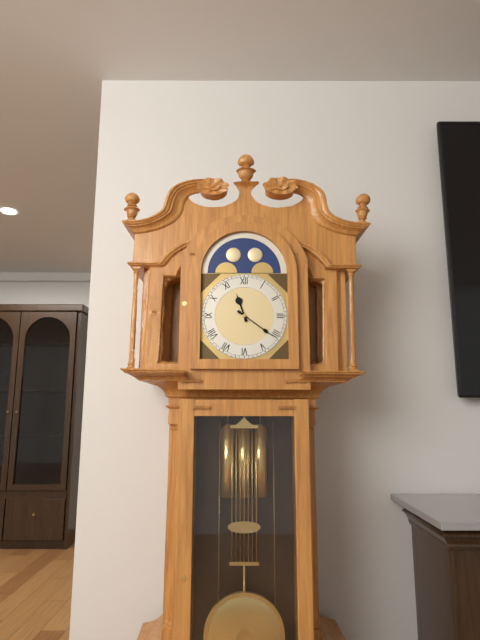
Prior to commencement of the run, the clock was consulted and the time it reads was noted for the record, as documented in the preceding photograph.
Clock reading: 11:21
